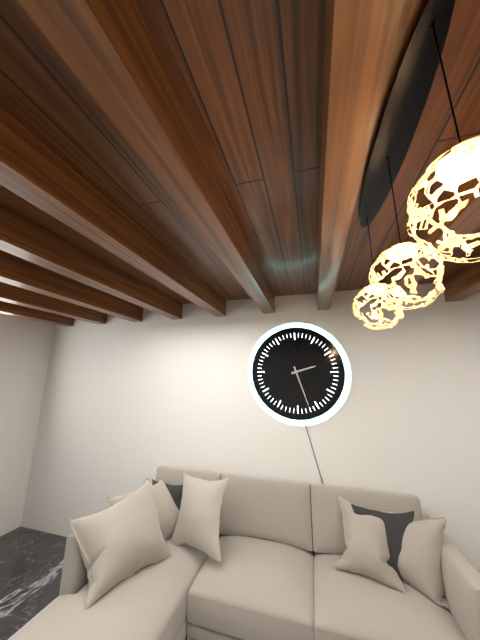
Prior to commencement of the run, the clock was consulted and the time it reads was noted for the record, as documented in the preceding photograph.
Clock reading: 2:27
